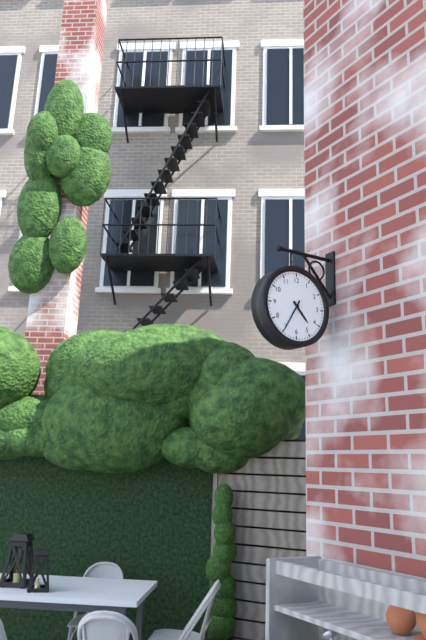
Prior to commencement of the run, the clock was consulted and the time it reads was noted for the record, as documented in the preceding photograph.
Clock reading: 4:35
